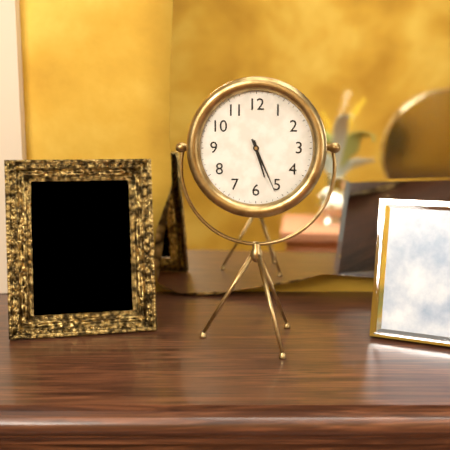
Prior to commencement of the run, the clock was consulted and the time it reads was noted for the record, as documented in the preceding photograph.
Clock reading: 5:26
